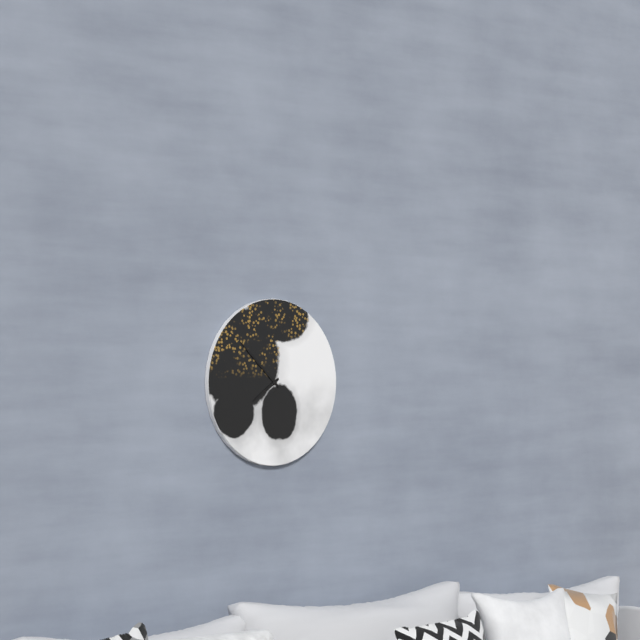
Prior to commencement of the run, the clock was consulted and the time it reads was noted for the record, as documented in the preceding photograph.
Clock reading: 7:52
